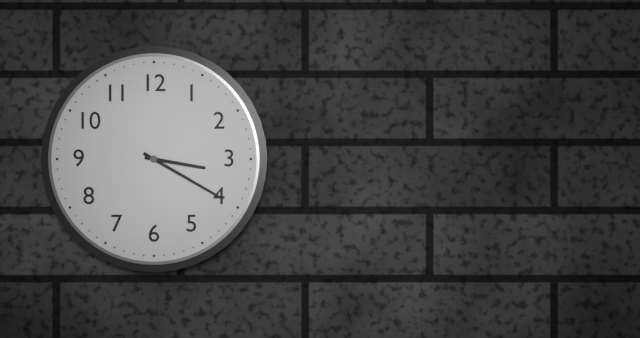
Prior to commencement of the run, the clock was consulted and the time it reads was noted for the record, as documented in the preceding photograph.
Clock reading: 3:20
